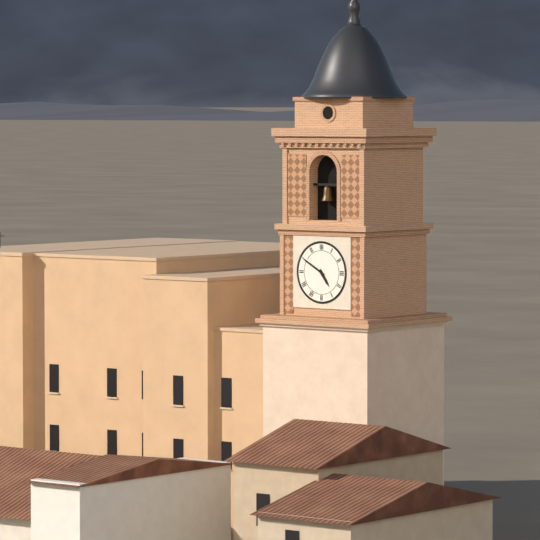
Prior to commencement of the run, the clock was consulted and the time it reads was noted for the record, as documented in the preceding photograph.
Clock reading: 4:50
